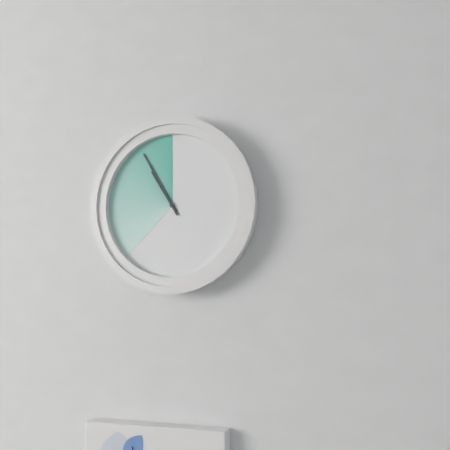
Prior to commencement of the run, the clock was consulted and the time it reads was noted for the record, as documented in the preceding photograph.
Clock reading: 10:55
